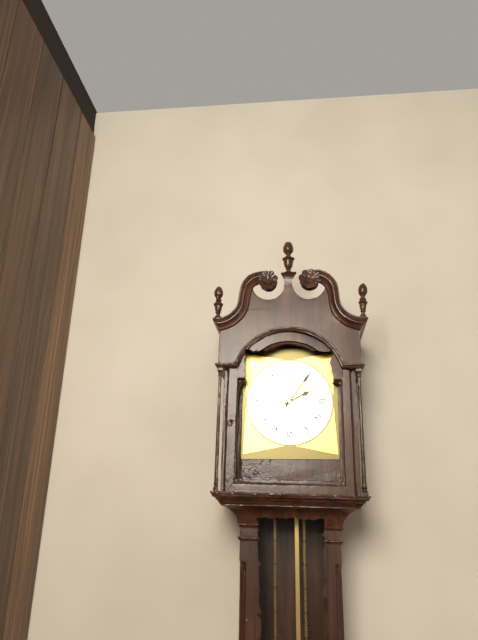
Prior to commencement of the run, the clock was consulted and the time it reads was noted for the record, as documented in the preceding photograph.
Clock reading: 2:06
